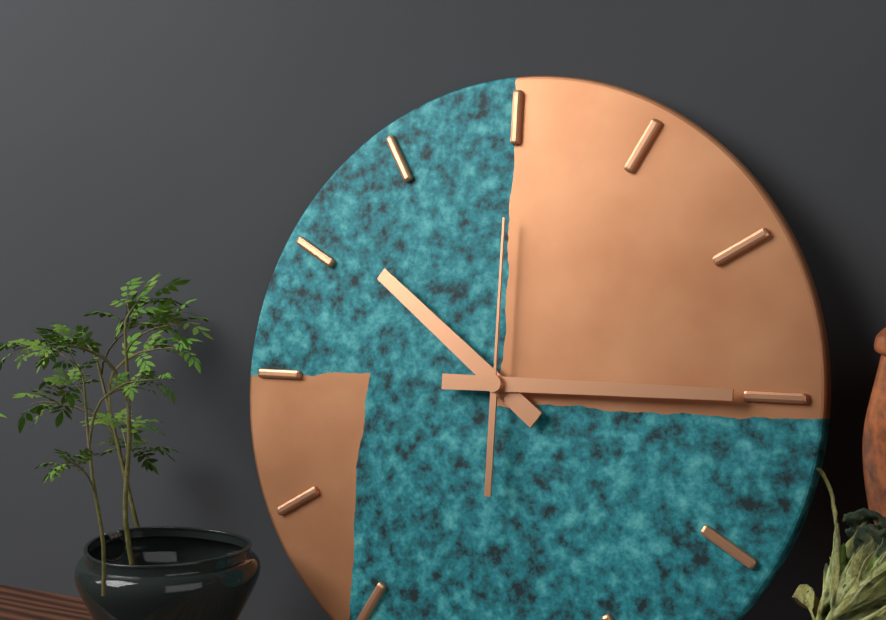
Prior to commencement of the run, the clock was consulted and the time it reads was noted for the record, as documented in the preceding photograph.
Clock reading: 10:15:00
